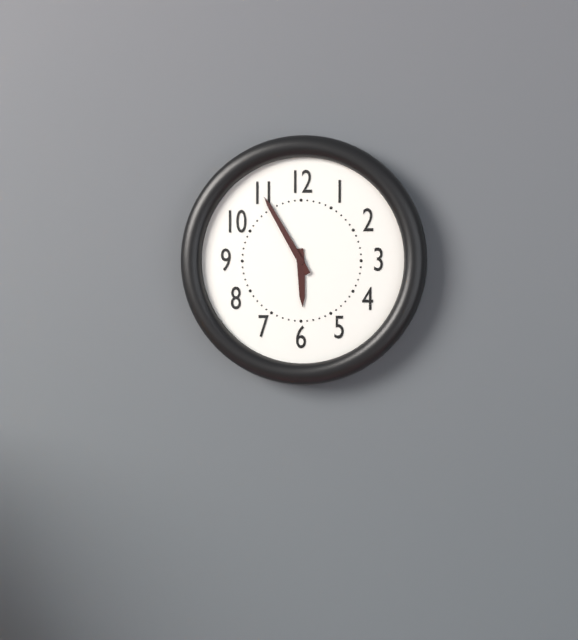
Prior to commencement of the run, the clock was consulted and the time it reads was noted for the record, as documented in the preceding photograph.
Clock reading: 5:55
